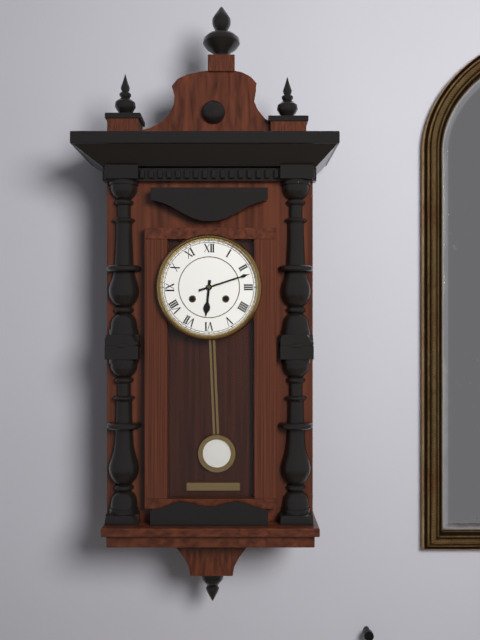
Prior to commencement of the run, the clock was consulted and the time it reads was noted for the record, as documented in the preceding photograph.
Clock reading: 6:12
